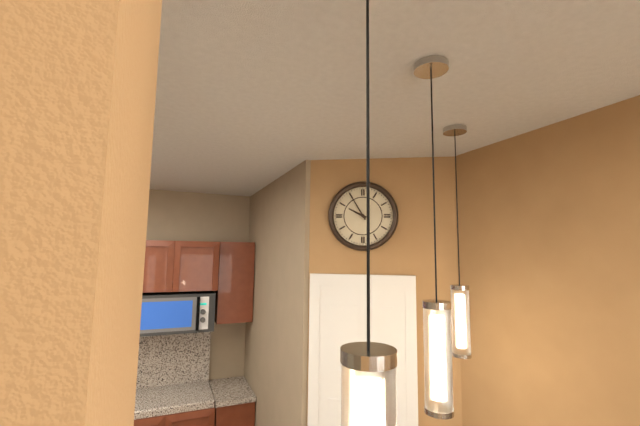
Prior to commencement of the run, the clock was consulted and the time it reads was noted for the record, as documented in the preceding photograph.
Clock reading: 9:55
